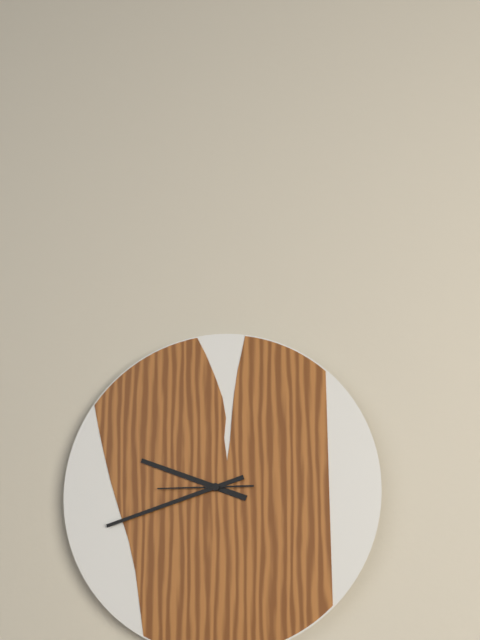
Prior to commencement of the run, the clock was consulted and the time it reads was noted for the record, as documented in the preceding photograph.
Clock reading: 9:42:45
